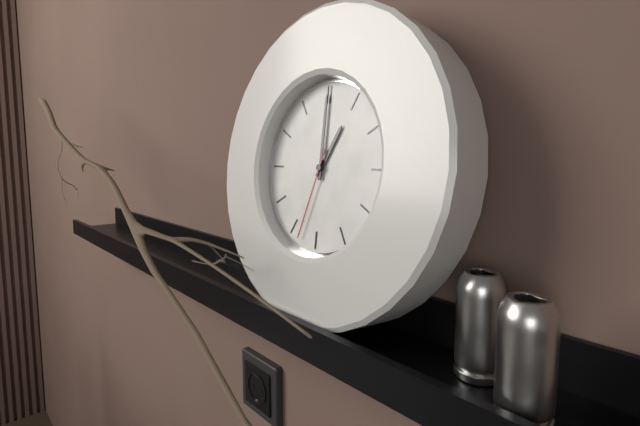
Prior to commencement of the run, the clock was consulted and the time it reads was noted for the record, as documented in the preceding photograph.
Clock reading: 1:00:33
